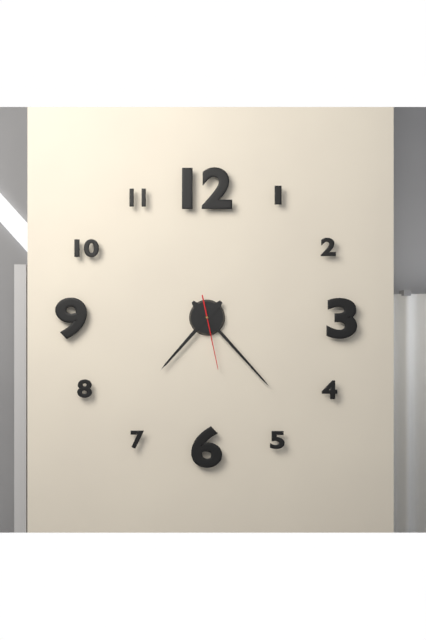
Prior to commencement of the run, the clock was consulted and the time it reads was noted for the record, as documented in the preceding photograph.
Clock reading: 7:23:28
